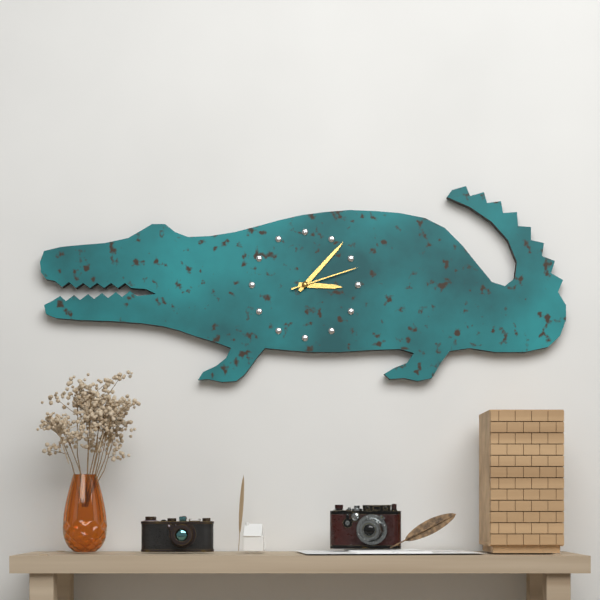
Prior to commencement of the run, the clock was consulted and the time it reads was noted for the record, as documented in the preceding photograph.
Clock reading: 3:07:12
